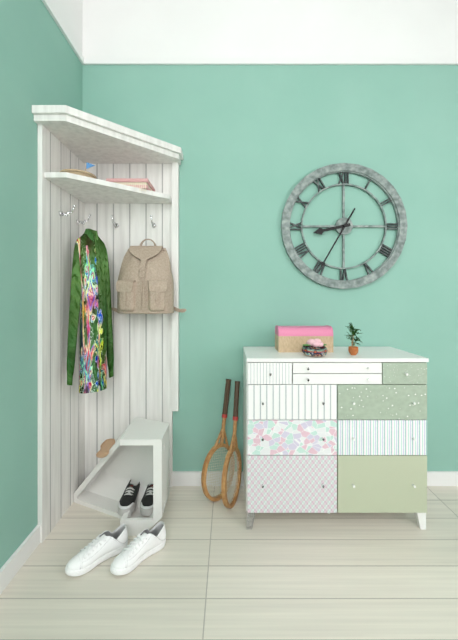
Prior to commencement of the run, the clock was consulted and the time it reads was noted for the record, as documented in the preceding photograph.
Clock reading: 8:35
